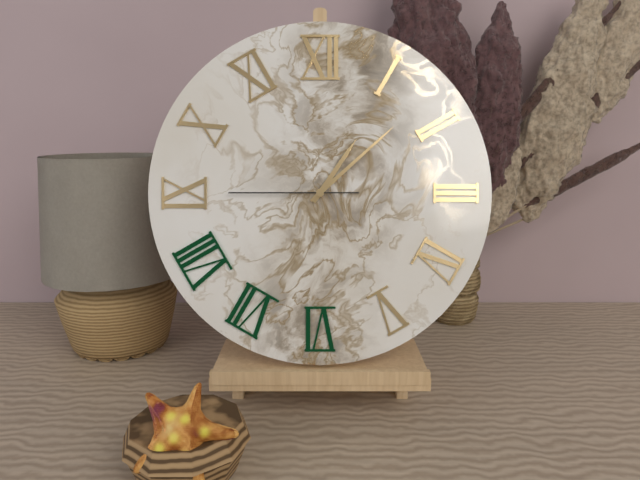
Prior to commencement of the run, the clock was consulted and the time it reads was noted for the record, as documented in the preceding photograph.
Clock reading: 1:08:45
